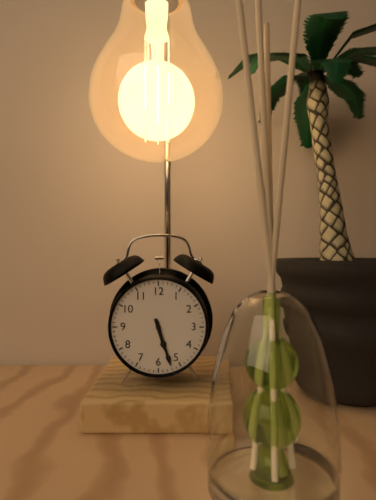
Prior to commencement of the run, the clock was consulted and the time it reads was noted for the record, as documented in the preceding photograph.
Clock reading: 5:27
